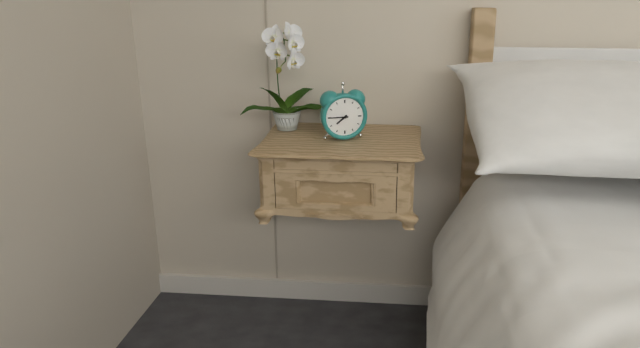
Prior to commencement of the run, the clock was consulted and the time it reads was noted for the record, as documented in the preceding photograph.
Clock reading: 7:45
